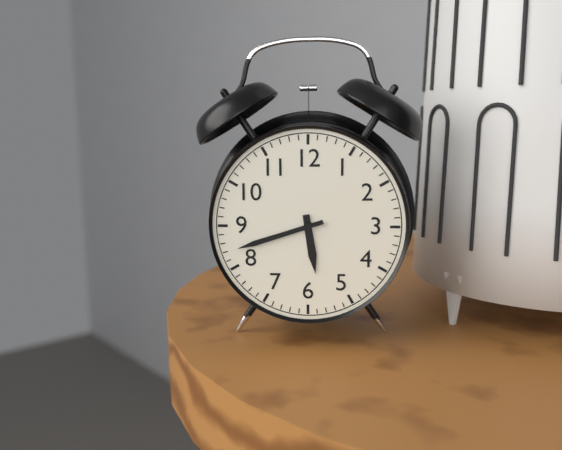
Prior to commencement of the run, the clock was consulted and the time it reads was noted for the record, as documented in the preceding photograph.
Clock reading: 5:42
